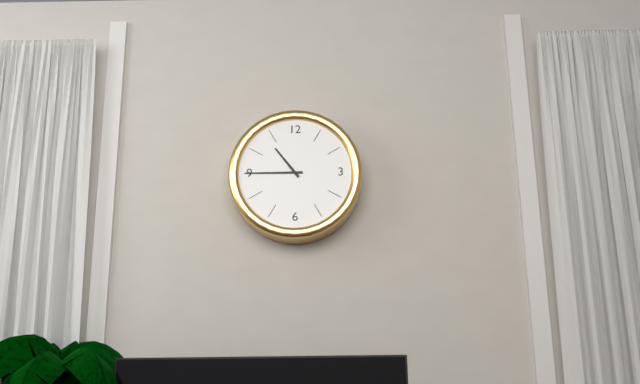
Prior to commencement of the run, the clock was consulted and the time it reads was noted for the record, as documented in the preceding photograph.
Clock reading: 10:45
